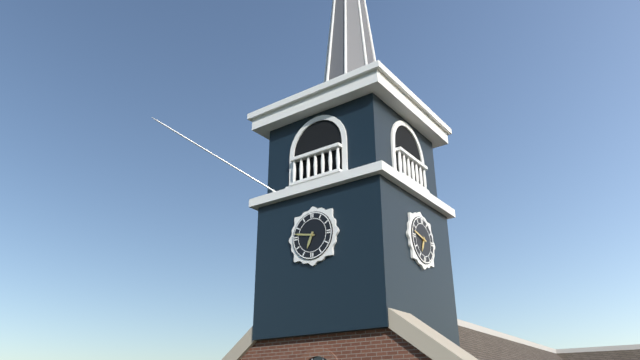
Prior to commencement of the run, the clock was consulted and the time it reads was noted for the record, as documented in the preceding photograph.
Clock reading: 6:47
